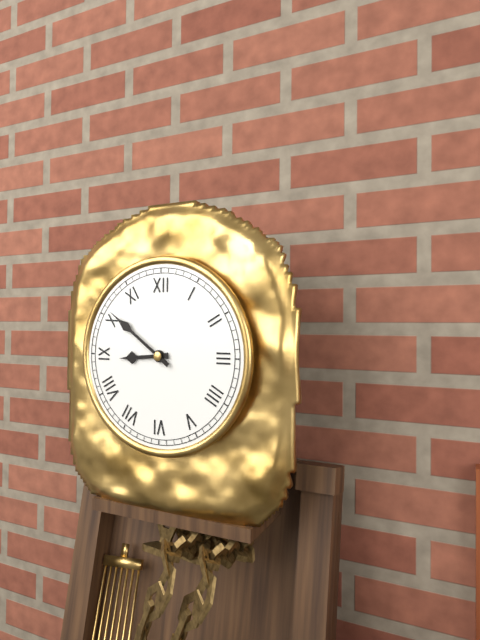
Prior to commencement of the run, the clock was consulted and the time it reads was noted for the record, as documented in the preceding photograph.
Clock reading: 8:51
